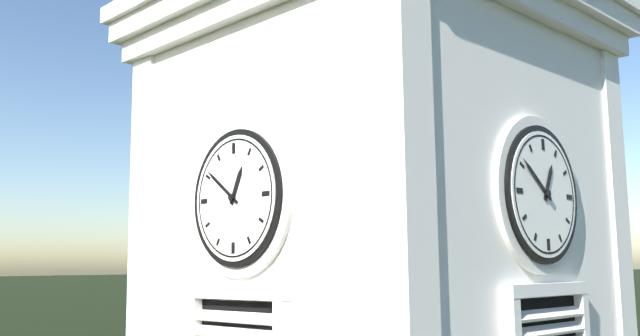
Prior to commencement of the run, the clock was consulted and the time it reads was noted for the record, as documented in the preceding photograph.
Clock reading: 12:51
